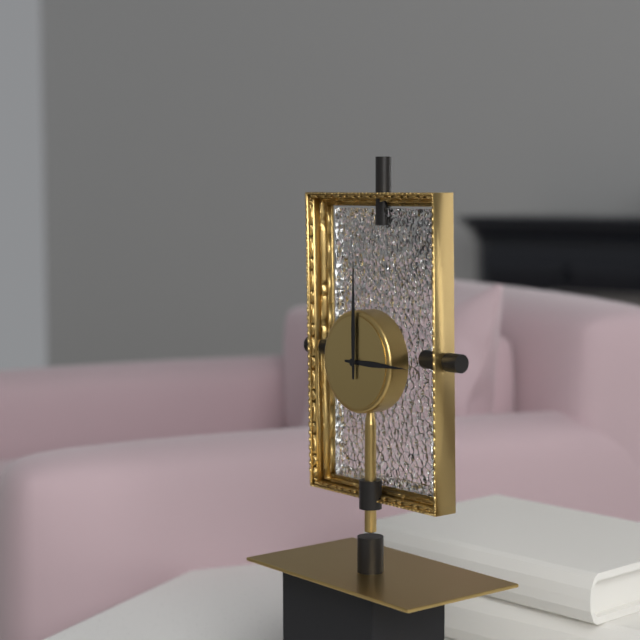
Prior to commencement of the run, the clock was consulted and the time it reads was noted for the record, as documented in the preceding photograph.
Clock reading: 3:00
